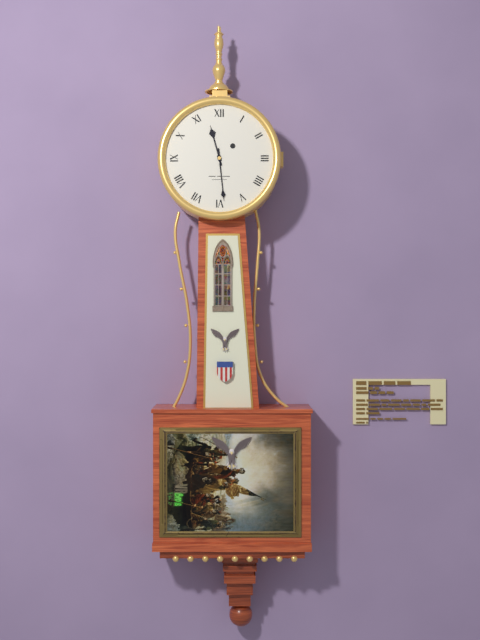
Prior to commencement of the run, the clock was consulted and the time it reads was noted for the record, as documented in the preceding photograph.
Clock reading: 11:29
